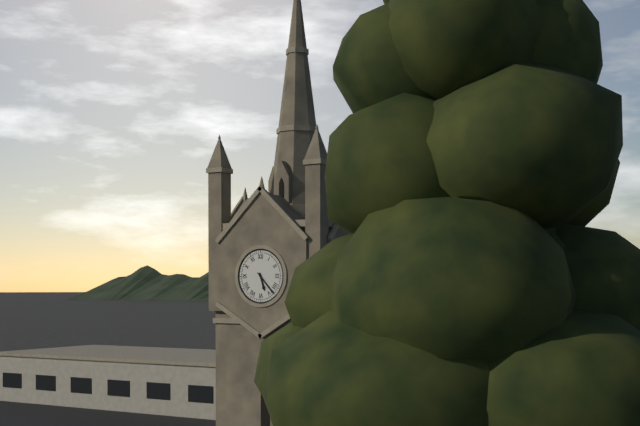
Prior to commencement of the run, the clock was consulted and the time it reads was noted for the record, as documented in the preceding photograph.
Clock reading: 5:23
